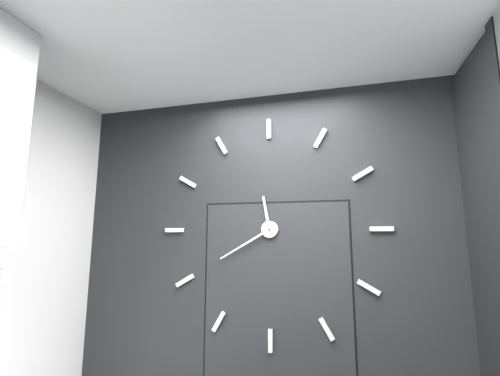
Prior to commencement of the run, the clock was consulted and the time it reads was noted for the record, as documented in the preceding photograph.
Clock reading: 11:40
